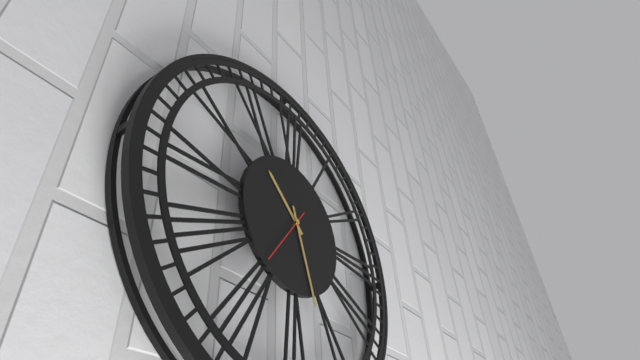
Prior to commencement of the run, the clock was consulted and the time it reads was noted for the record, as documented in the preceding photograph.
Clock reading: 10:27
